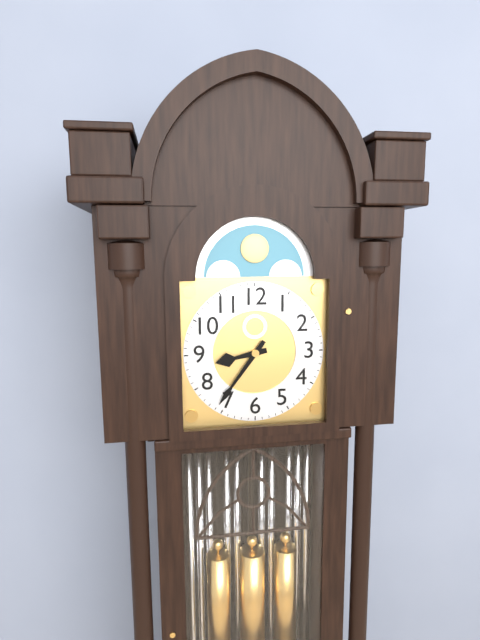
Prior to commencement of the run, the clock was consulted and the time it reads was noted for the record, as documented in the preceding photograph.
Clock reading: 8:36
